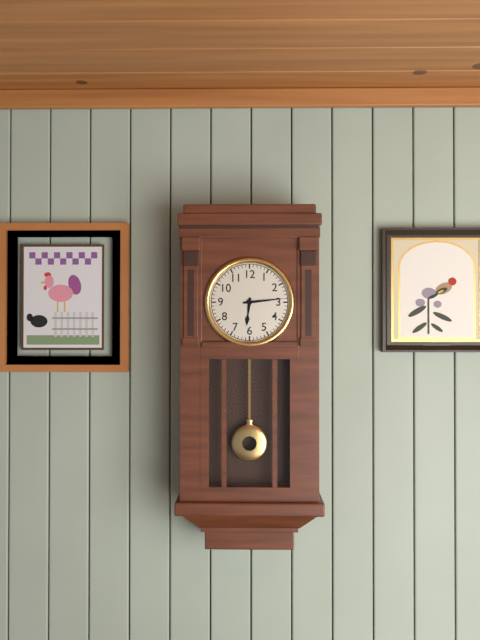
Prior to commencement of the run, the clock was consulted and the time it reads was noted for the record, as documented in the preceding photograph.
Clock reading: 6:14
